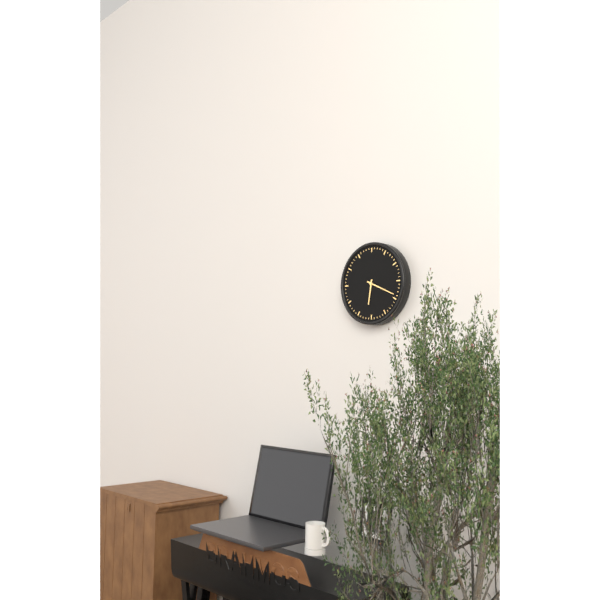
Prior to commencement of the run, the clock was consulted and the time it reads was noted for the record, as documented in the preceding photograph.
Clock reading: 6:19
